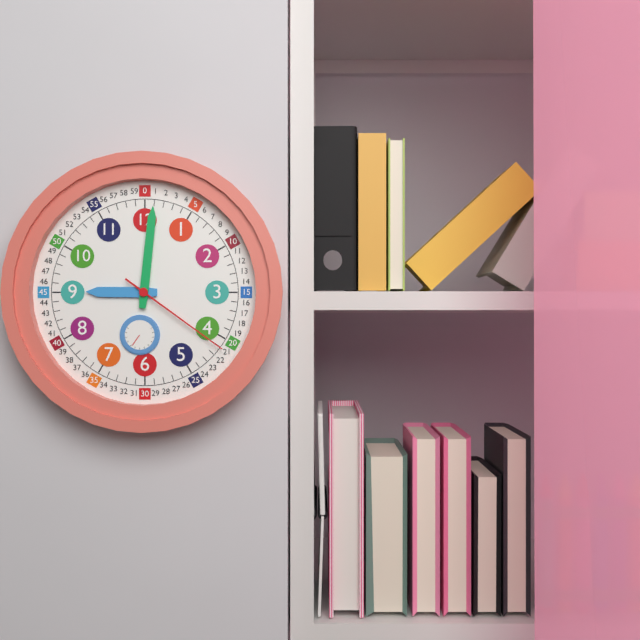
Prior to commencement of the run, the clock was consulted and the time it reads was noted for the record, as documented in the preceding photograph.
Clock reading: 9:01:21
